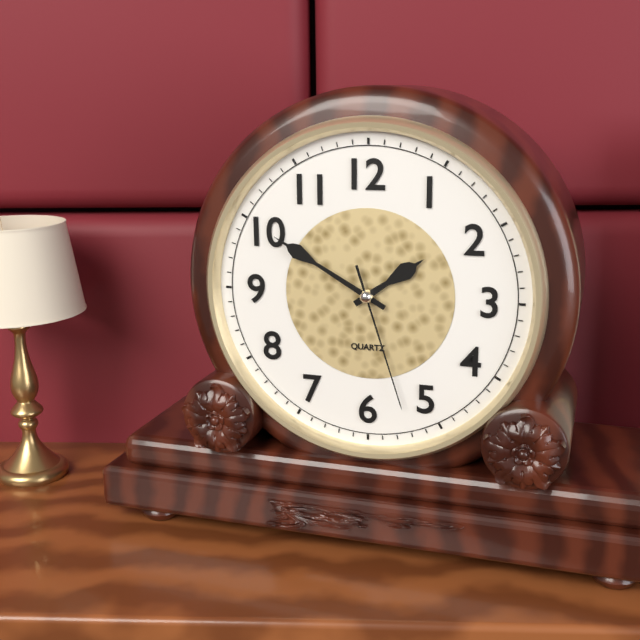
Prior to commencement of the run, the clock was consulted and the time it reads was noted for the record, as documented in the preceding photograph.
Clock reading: 1:50:27
